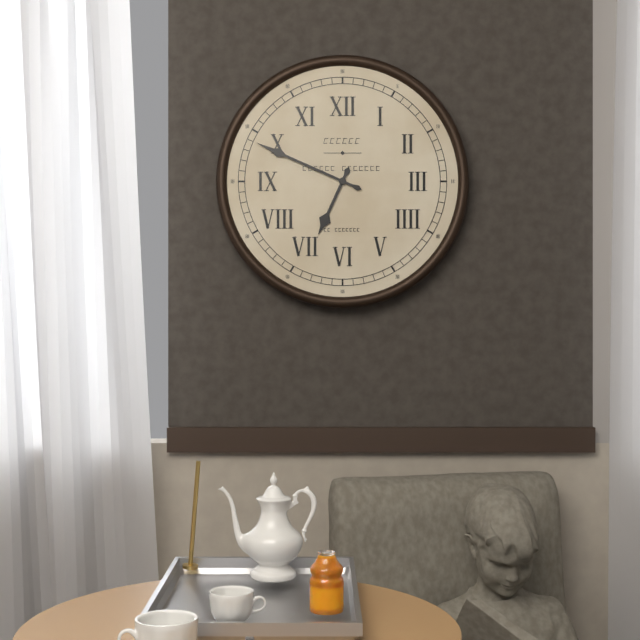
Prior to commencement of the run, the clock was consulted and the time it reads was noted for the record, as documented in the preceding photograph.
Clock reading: 6:49
